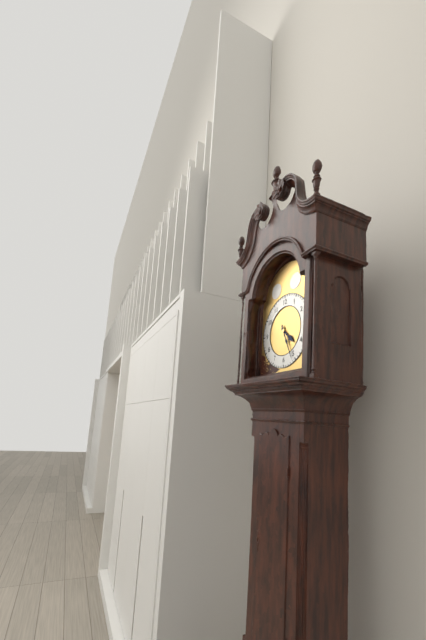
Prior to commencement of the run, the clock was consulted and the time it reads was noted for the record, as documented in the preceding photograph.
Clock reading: 4:26
